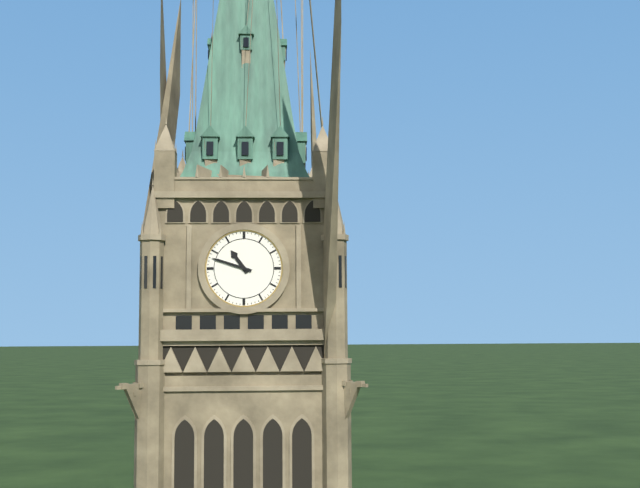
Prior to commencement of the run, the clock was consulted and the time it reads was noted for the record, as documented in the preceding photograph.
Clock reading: 10:48
